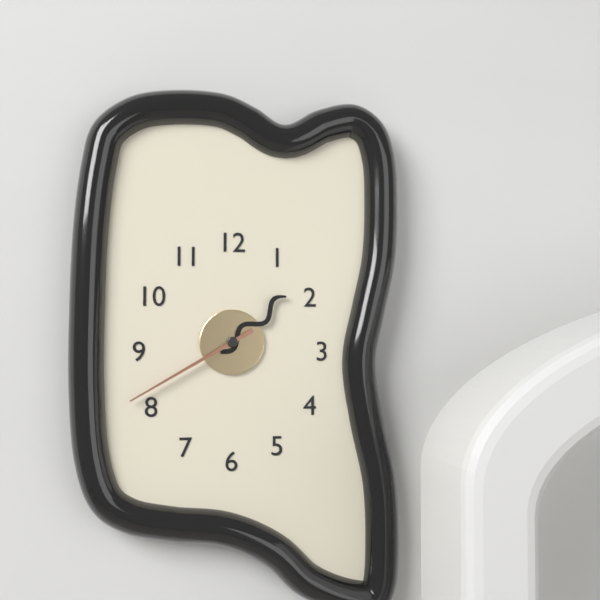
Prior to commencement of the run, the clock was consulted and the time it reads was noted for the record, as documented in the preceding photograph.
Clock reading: 1:40
